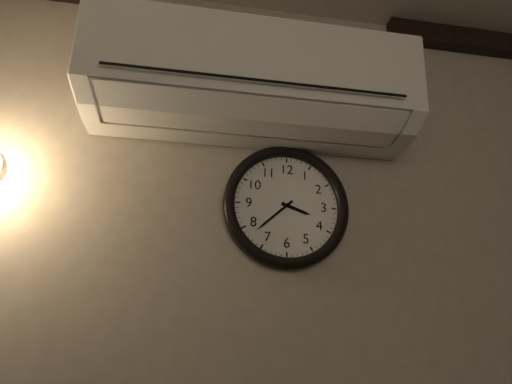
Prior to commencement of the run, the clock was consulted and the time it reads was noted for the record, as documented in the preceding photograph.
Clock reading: 3:38
